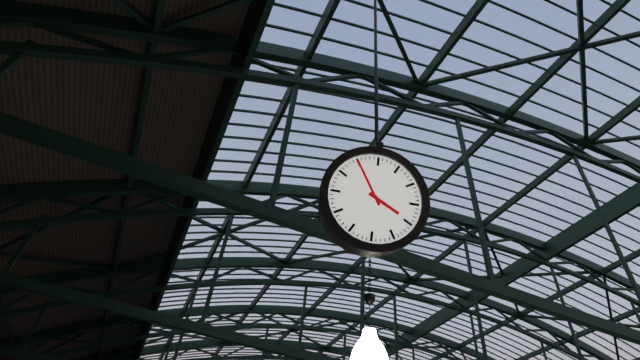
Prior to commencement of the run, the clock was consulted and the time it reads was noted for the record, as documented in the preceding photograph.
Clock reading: 3:55
